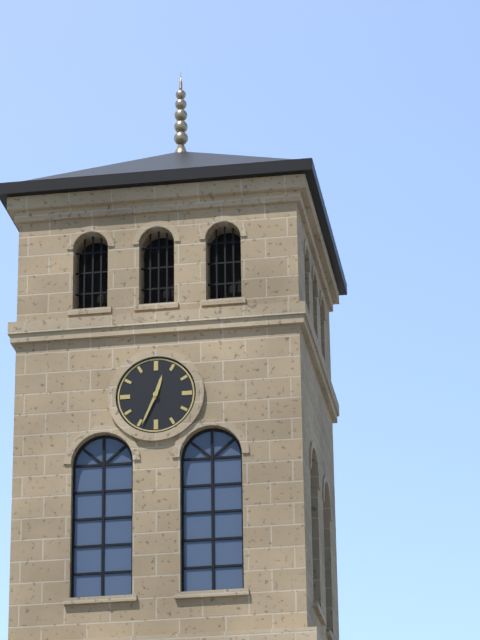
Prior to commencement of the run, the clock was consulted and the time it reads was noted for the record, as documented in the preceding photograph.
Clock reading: 12:34
